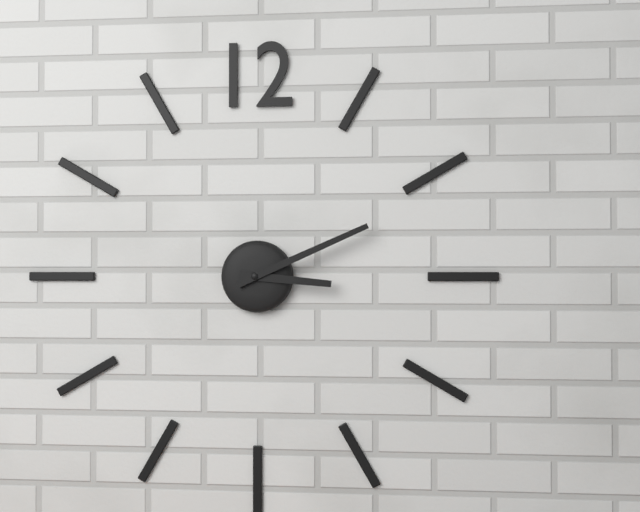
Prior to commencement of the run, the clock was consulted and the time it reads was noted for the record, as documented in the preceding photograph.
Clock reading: 3:11
